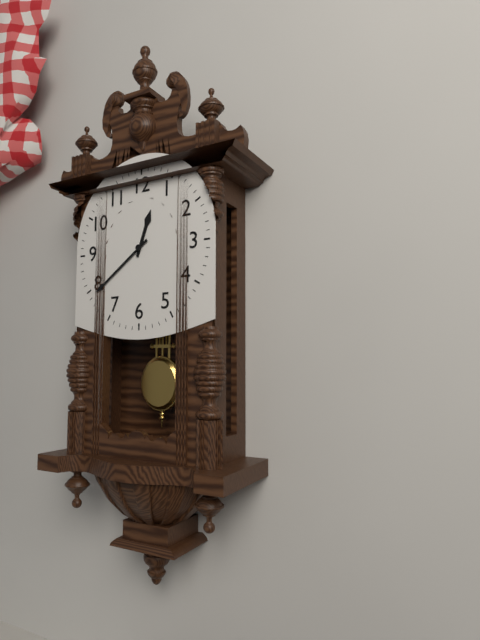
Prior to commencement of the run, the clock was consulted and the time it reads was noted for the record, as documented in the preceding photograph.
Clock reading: 12:39
